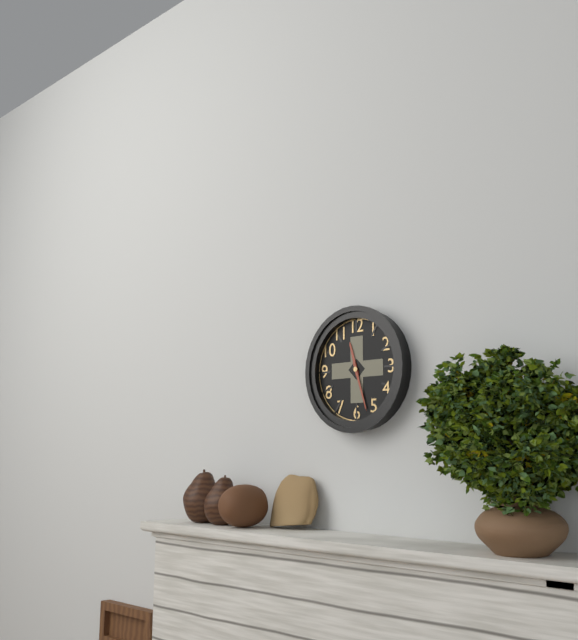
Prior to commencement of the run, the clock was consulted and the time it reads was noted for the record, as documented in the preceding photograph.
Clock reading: 11:27
